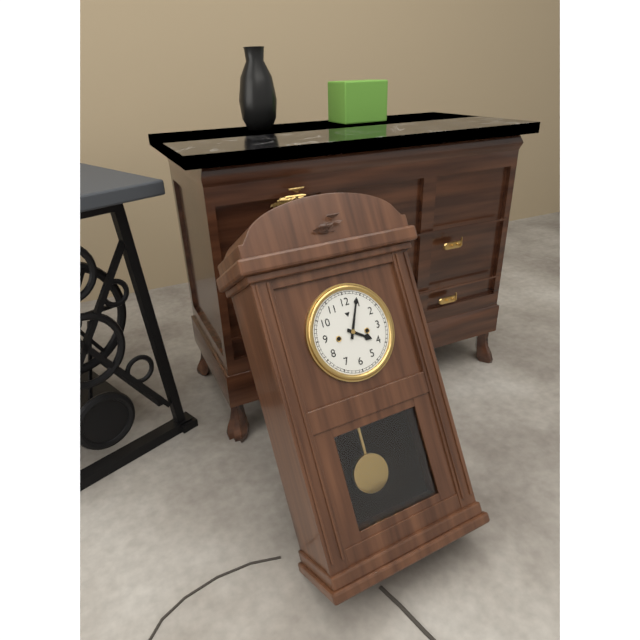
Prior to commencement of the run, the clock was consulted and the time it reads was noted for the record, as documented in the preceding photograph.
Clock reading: 4:04
